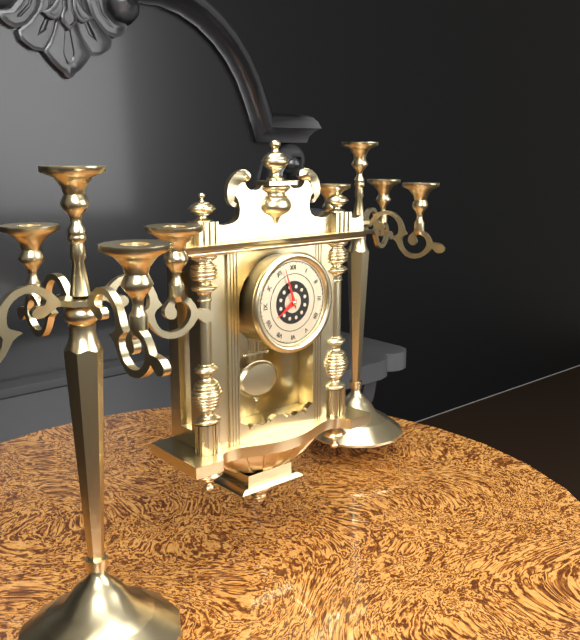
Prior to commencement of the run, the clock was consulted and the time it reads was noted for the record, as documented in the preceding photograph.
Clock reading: 7:57
